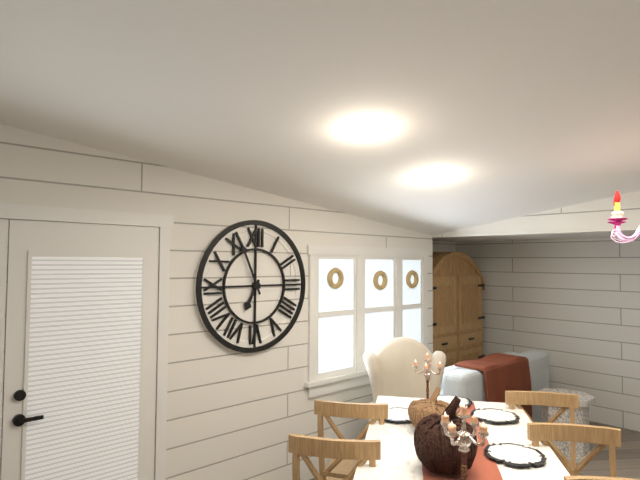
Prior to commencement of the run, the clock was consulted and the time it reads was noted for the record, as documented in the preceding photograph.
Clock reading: 6:56
